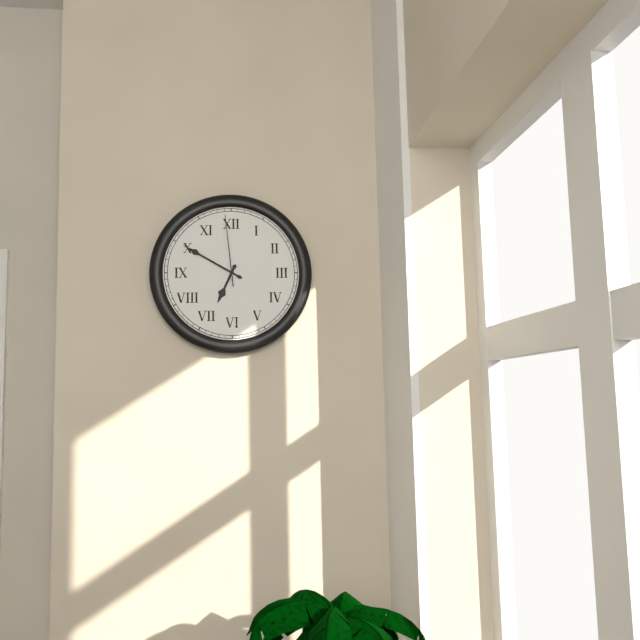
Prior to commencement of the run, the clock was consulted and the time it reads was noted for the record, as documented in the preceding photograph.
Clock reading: 6:50:59
